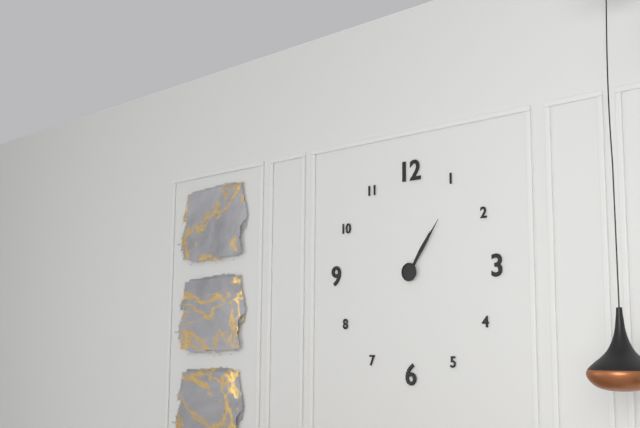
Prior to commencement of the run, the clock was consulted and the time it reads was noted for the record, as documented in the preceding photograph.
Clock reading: 1:06
